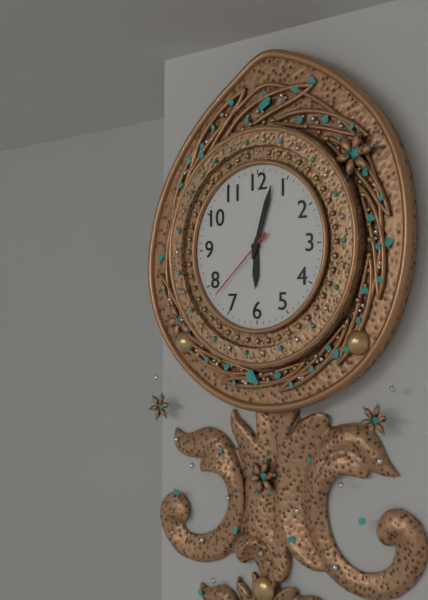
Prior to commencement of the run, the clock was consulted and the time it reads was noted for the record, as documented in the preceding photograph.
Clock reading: 6:03:38
